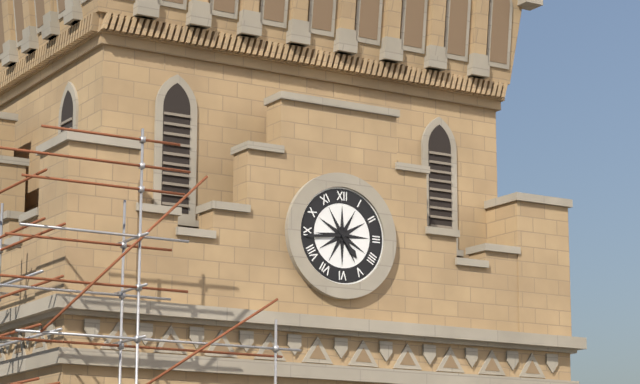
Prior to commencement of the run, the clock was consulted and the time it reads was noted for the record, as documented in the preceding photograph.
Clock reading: 4:44
